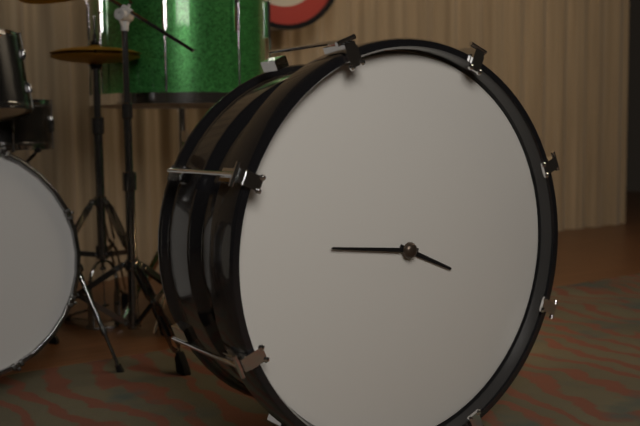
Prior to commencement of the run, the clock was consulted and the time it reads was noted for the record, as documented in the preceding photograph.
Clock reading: 3:46
